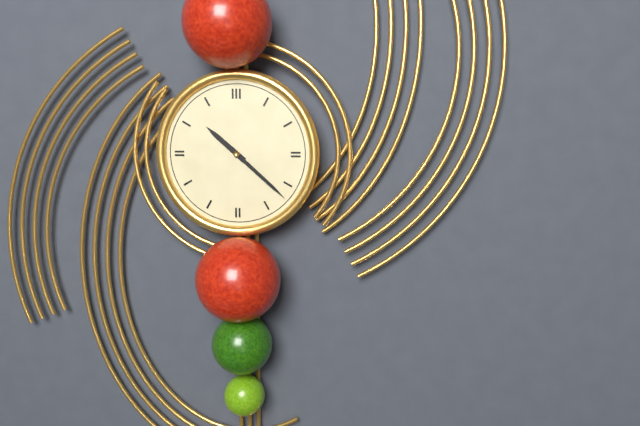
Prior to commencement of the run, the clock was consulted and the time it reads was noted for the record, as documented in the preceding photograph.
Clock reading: 10:22
